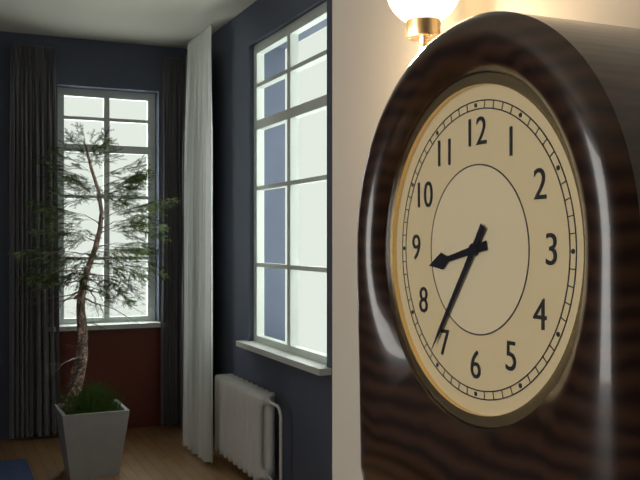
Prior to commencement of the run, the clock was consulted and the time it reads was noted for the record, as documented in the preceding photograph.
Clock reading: 8:36
